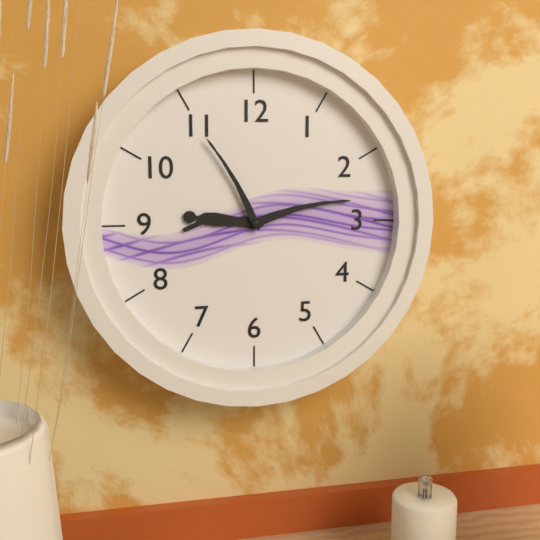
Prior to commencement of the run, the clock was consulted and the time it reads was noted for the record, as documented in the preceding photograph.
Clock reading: 9:13:55
